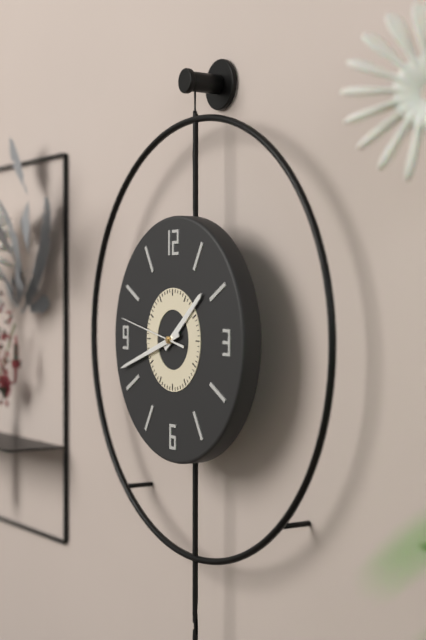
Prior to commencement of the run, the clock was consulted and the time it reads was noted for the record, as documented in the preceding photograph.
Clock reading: 1:42:47
